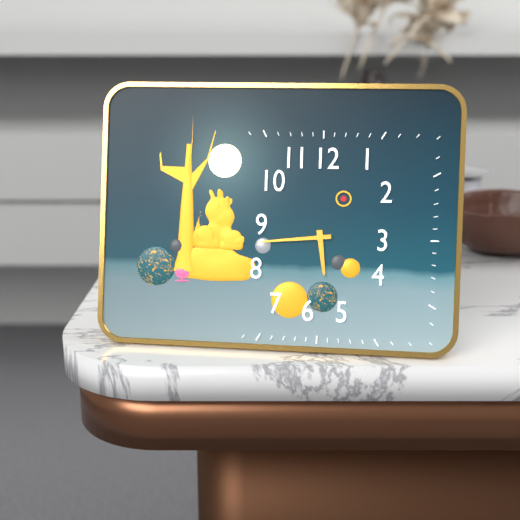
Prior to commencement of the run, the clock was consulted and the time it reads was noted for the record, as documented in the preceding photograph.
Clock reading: 5:44
